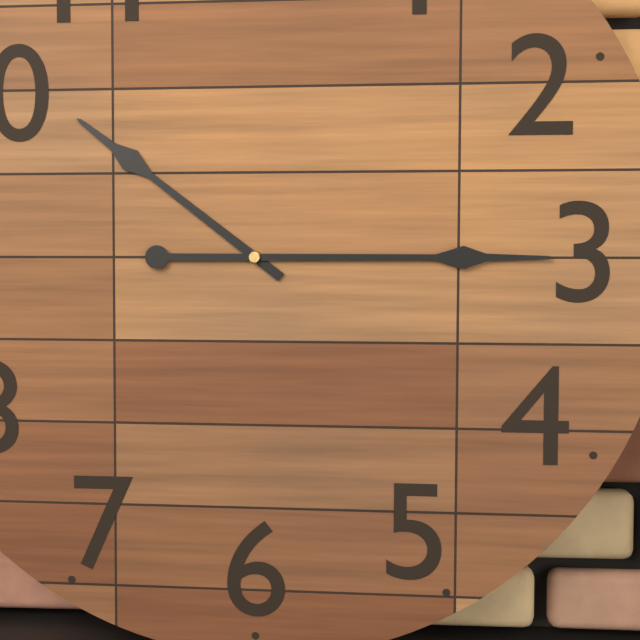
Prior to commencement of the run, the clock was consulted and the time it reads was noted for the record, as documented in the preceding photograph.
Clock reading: 10:15
